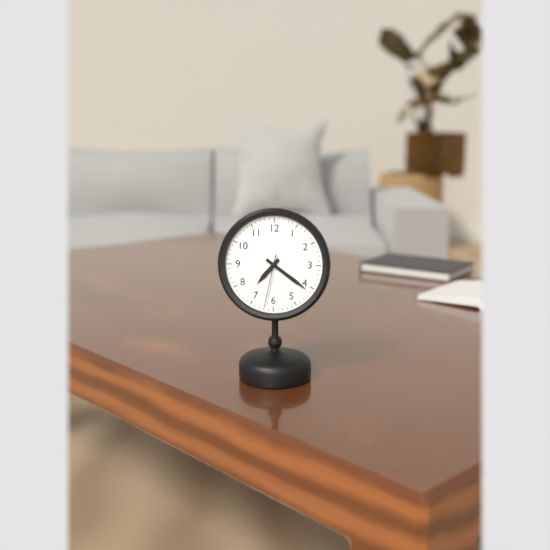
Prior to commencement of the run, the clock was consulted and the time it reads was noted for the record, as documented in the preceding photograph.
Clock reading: 7:21:32
